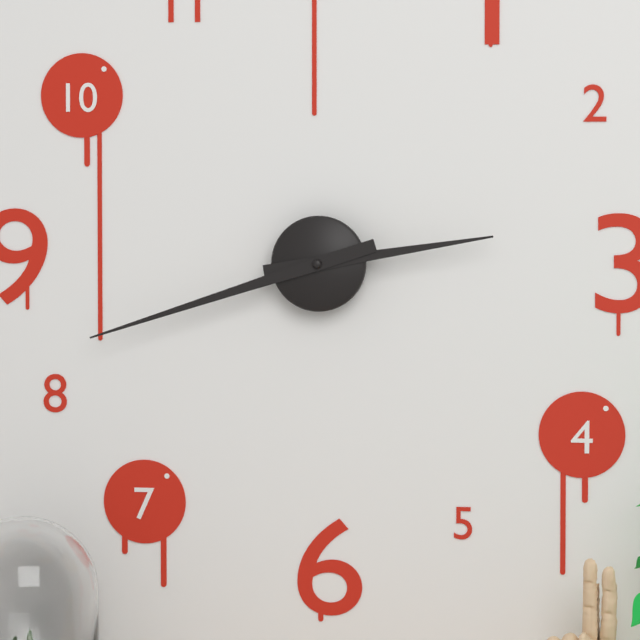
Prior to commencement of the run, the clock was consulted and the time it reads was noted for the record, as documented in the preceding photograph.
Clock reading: 2:42
